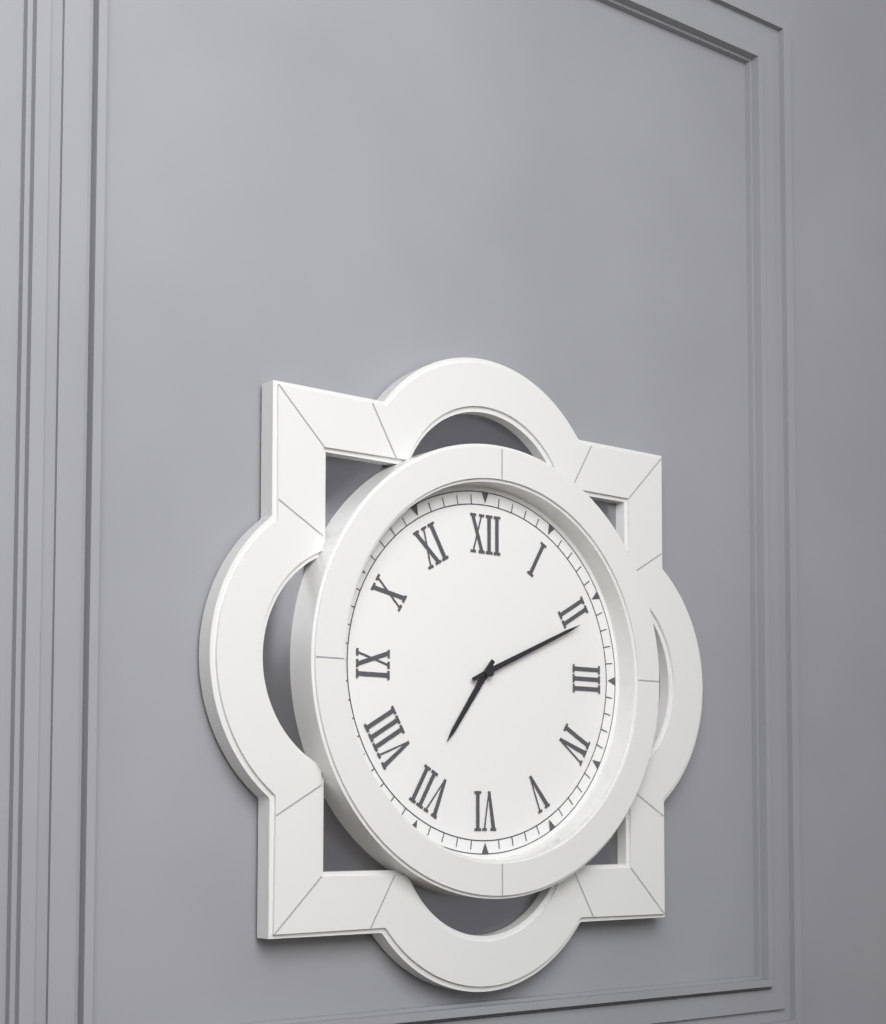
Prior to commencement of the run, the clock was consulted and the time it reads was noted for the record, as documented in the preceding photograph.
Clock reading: 7:11
